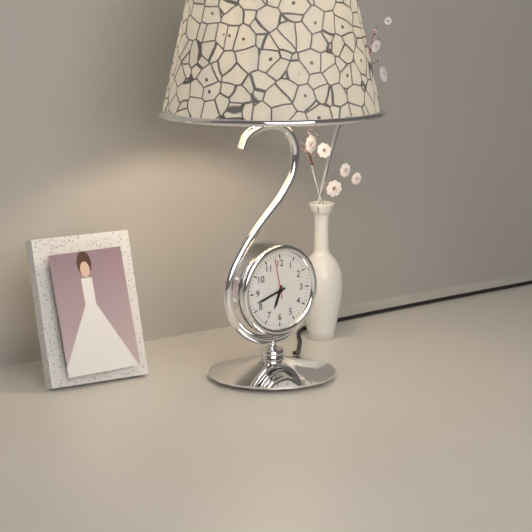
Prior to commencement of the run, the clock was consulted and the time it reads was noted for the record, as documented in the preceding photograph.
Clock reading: 6:42
